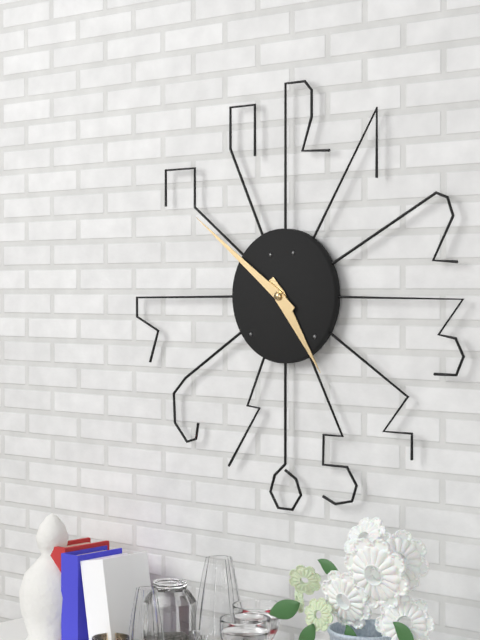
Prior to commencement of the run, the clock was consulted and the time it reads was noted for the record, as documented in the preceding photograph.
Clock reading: 4:51
